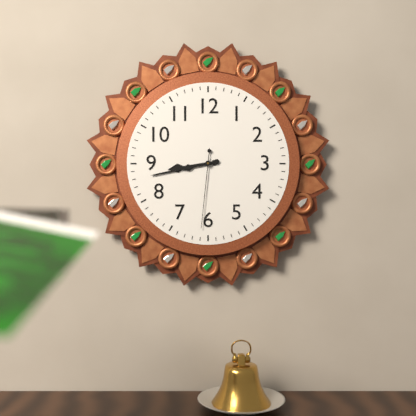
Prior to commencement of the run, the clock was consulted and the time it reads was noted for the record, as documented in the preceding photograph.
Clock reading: 8:43:31
